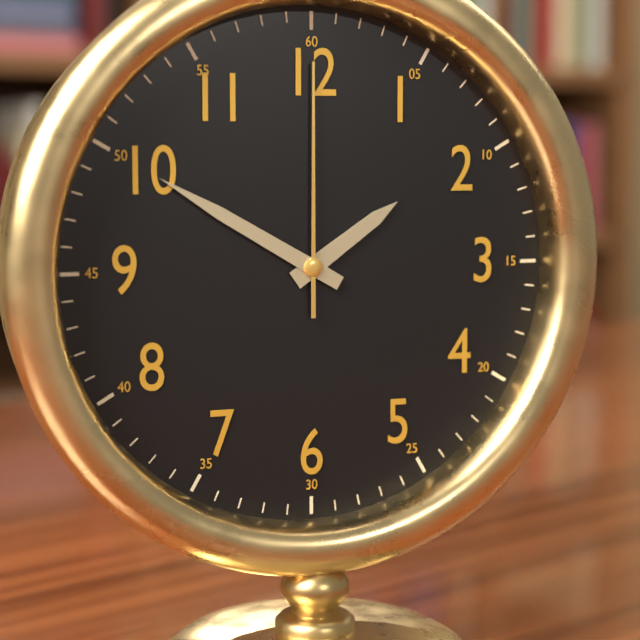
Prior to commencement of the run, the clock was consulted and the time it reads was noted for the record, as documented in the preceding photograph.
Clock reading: 1:50:00
